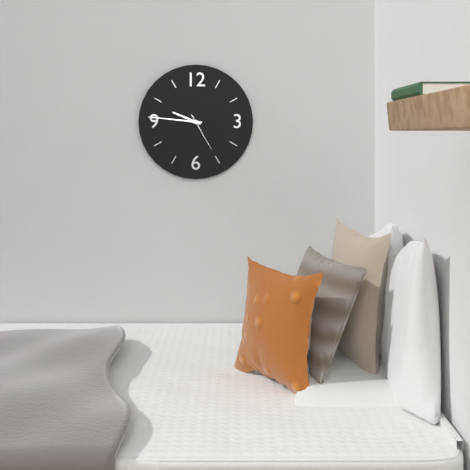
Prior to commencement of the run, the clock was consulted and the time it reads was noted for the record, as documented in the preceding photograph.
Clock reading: 9:46
